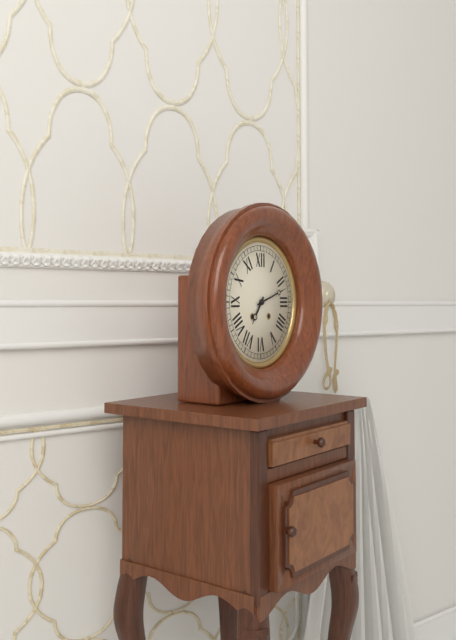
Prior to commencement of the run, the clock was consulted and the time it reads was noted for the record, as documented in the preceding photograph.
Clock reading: 7:12
